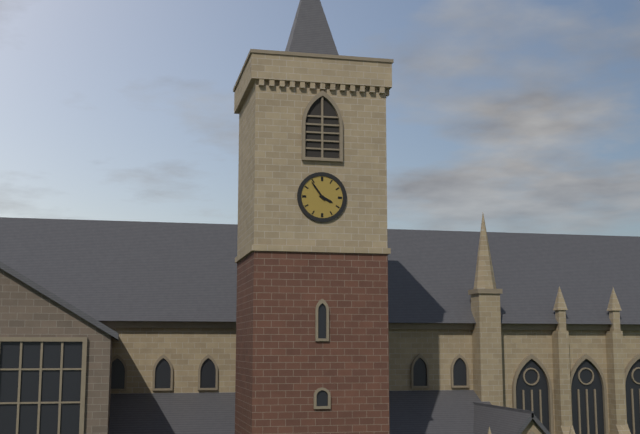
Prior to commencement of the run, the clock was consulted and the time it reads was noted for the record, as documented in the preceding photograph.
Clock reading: 3:54
